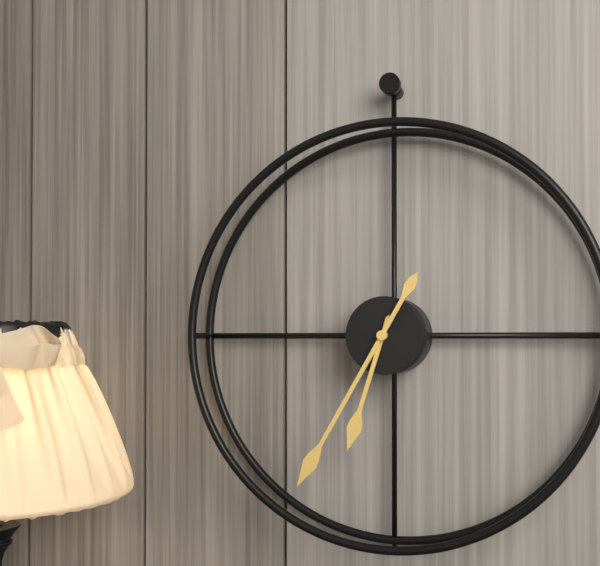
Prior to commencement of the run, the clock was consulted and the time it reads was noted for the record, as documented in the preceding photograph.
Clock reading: 6:35
